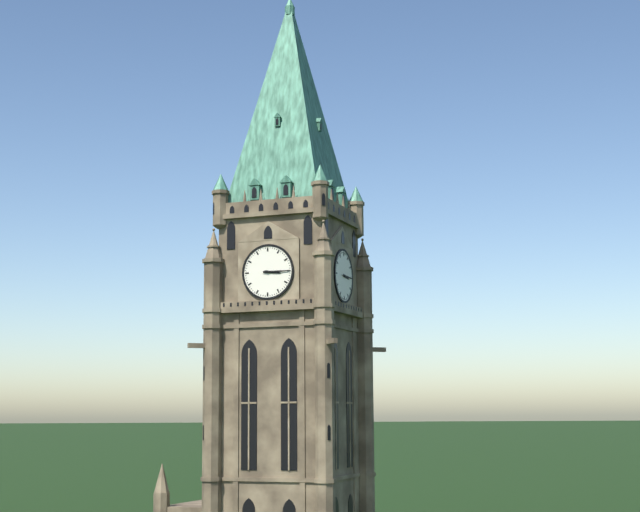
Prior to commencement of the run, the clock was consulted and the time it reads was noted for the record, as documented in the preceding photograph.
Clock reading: 3:15
